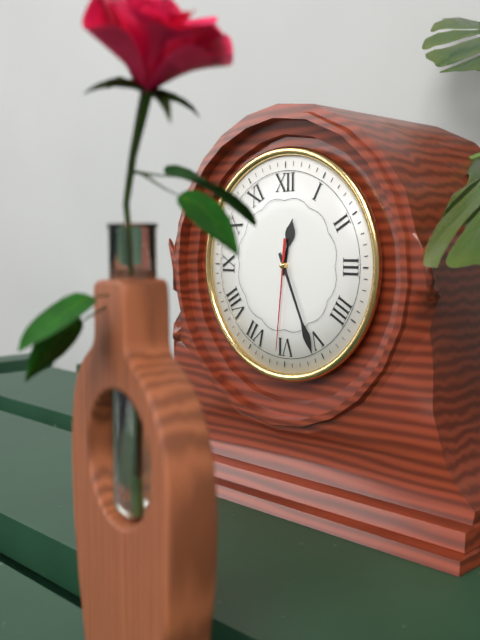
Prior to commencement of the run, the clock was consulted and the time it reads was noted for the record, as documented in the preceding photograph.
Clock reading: 12:26:31
